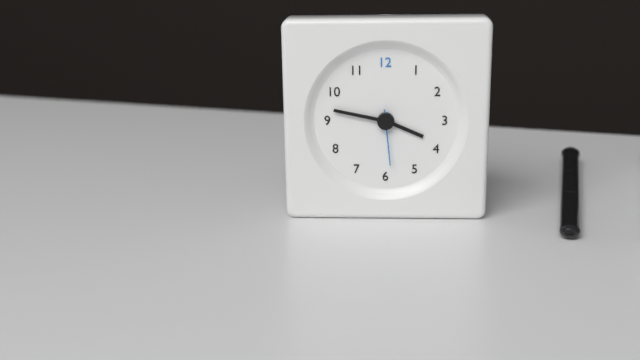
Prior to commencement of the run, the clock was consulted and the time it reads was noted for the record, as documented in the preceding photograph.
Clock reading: 3:47:29
